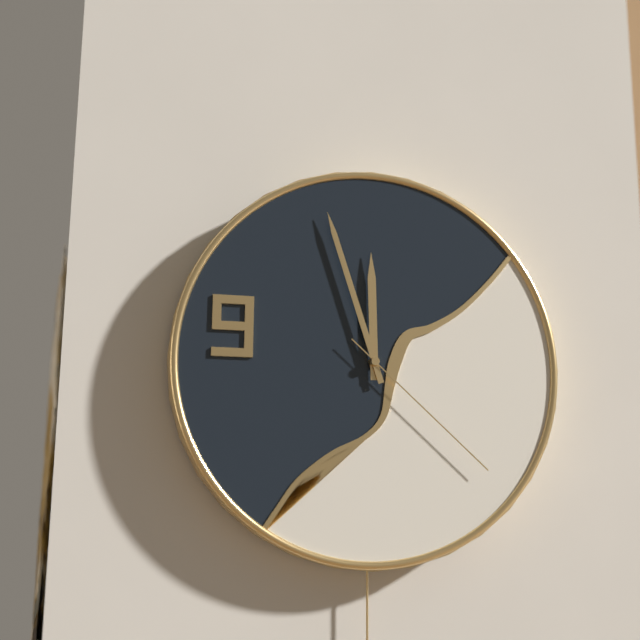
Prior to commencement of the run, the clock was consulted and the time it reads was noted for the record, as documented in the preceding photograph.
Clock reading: 11:57:22
